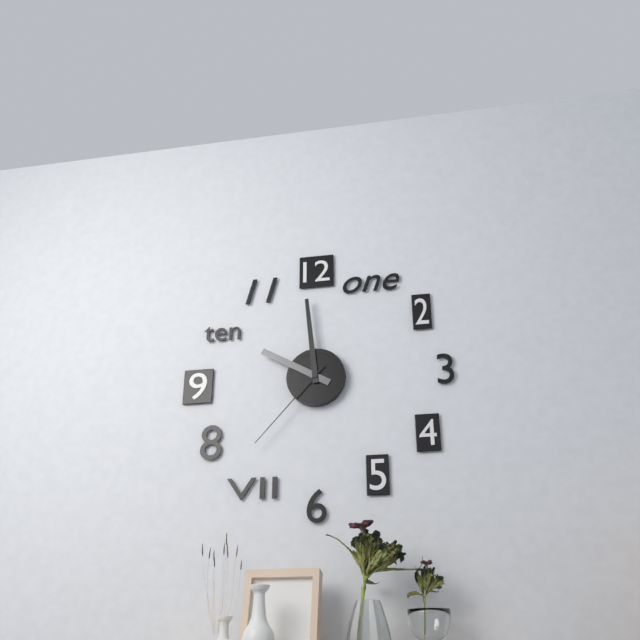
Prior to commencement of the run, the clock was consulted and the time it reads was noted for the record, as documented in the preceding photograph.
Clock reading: 9:59:37
